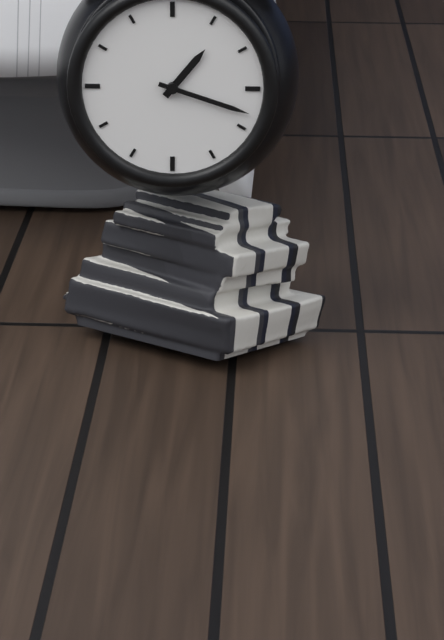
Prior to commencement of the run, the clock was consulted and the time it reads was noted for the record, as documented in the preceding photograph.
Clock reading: 1:18
